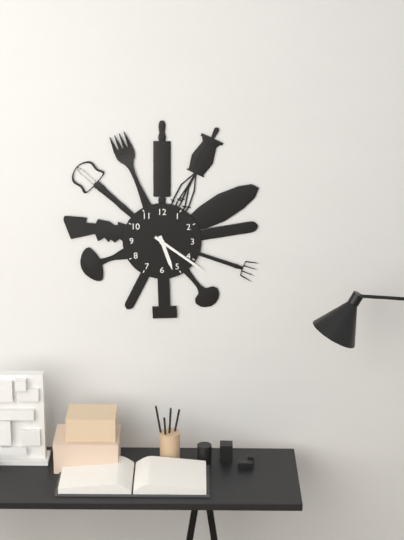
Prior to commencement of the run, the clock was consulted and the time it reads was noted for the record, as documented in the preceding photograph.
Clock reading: 5:21
